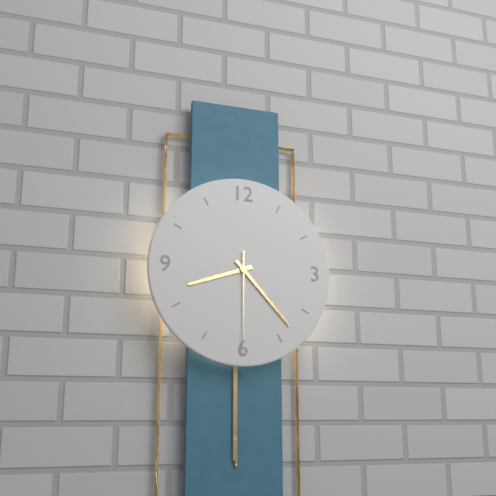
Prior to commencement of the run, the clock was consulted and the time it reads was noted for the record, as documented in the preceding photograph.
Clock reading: 8:23:30
